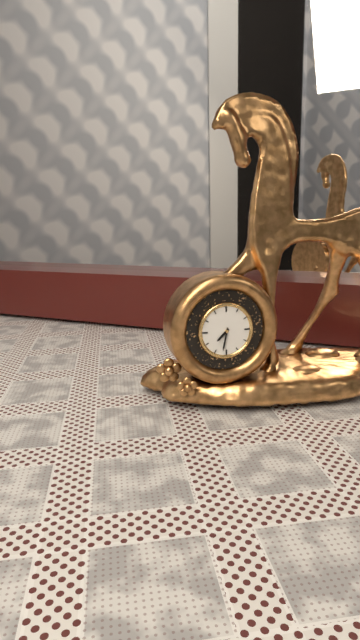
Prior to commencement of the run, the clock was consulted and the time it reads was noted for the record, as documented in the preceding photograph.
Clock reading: 7:32
